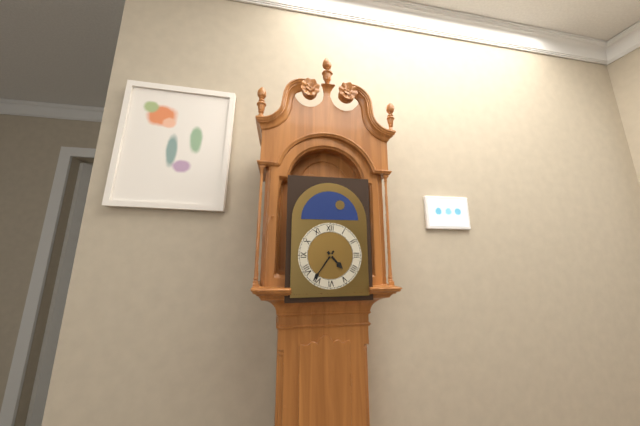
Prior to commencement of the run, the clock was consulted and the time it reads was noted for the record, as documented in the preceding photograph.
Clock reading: 4:36
